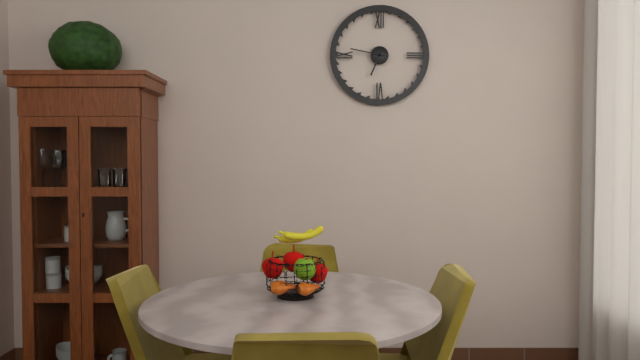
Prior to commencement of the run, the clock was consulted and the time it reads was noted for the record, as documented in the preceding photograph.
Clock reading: 6:47
